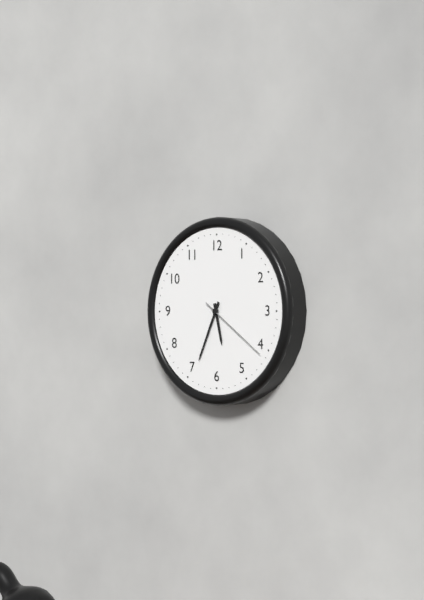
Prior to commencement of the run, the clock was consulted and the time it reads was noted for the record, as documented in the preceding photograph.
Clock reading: 5:34:21
